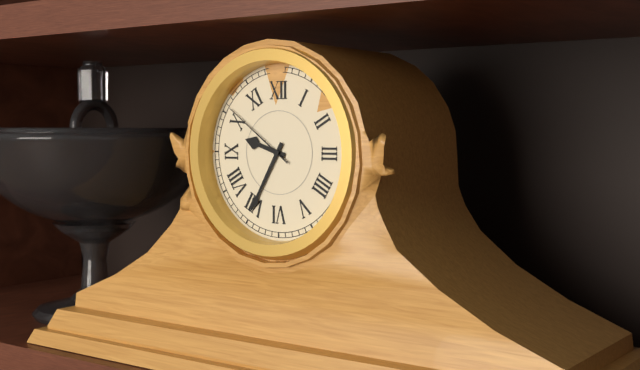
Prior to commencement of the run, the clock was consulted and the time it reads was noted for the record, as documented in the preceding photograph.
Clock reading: 9:35:51
